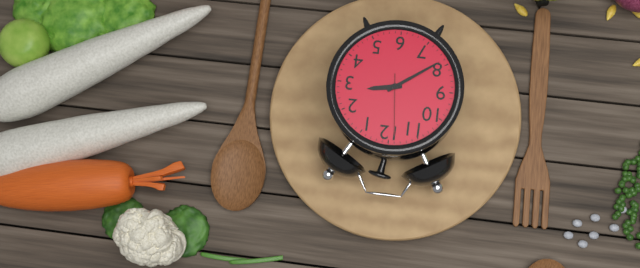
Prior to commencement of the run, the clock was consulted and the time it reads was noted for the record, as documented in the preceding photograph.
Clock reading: 2:39:59
